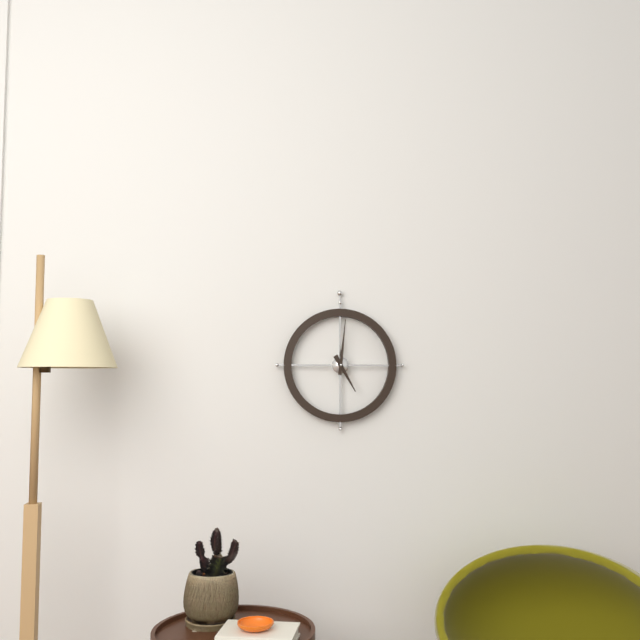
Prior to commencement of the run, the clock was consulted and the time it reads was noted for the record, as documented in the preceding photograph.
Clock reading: 5:01
